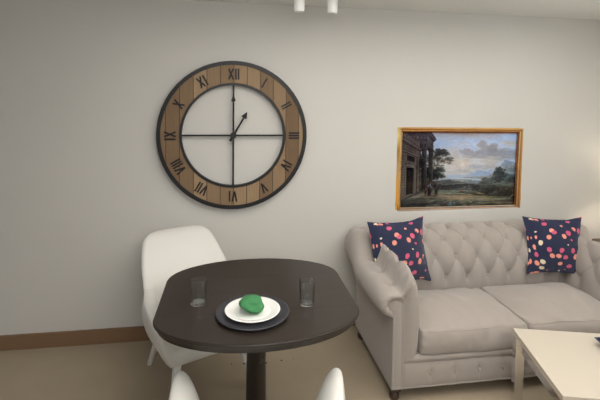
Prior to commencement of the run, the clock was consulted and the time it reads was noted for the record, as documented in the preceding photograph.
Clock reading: 1:00
